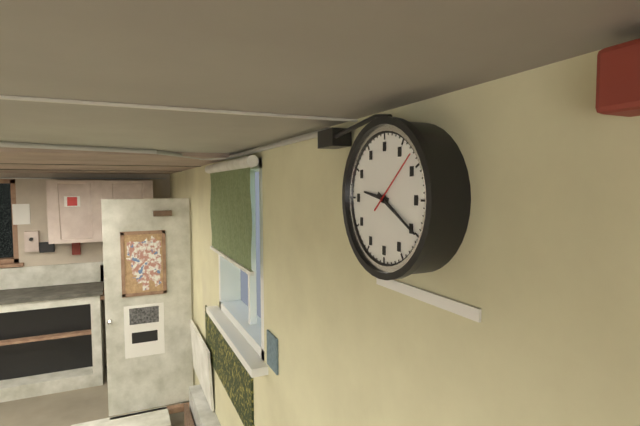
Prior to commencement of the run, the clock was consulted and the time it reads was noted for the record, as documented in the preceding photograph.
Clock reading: 9:20:08
